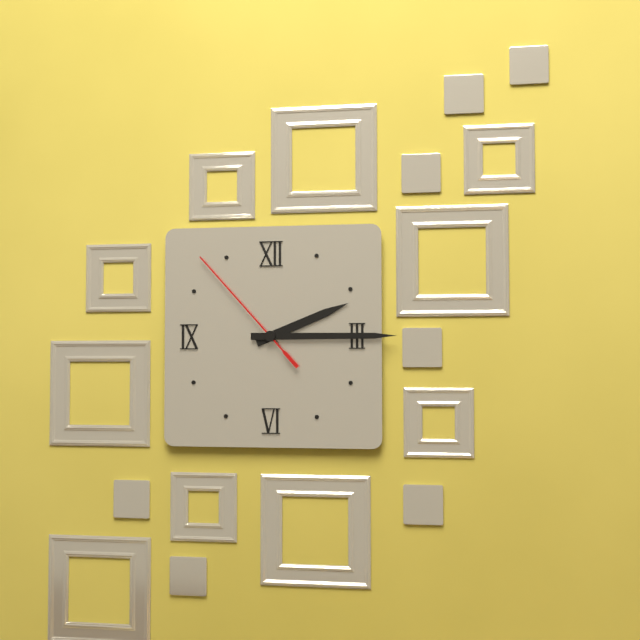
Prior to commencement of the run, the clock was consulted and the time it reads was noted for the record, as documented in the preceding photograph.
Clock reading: 2:15:53
